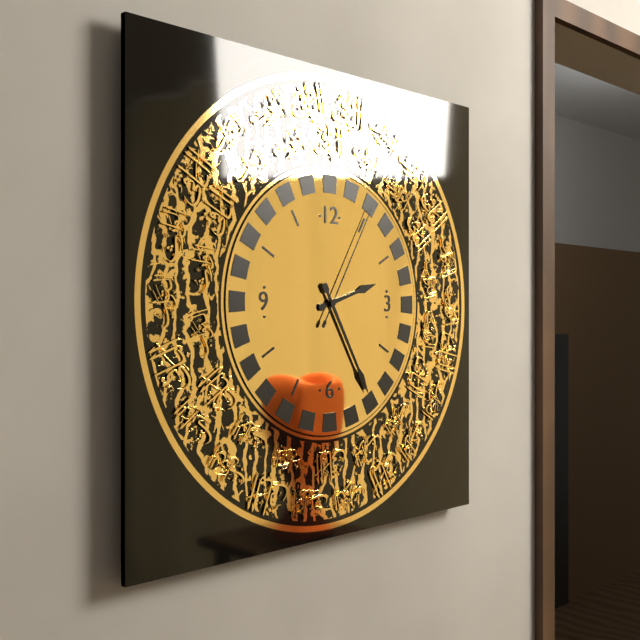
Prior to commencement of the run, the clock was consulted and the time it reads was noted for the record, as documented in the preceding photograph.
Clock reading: 2:25:05
